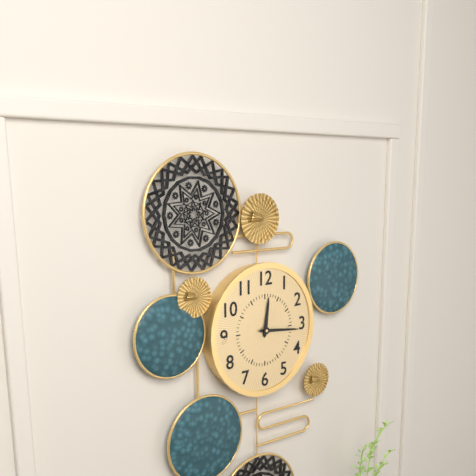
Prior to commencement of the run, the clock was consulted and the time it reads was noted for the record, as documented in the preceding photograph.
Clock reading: 12:16
